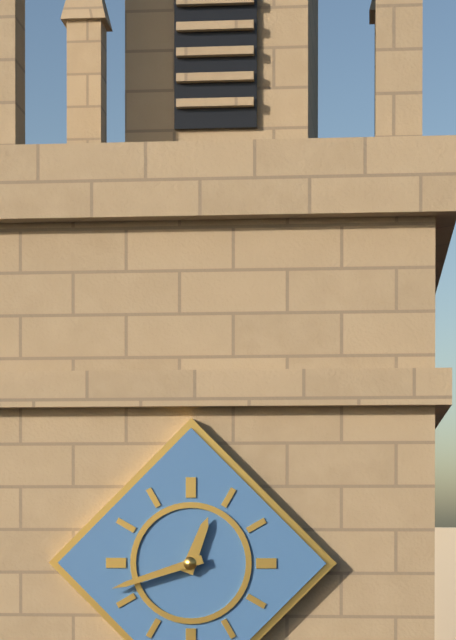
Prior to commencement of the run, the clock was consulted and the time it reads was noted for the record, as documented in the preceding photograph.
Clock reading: 12:42
